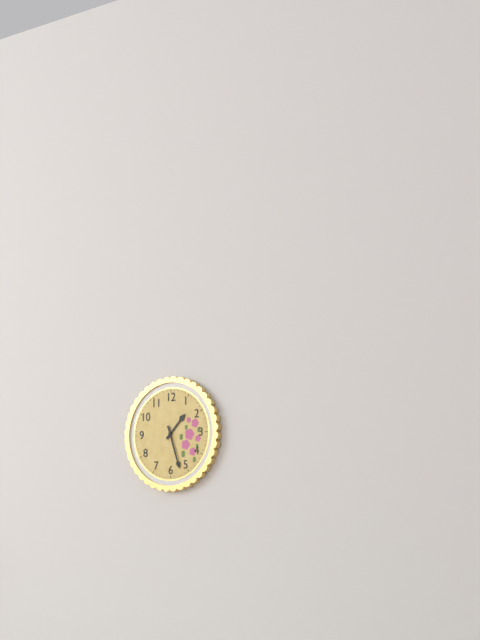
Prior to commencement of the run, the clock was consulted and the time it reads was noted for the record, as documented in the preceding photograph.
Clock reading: 1:27
